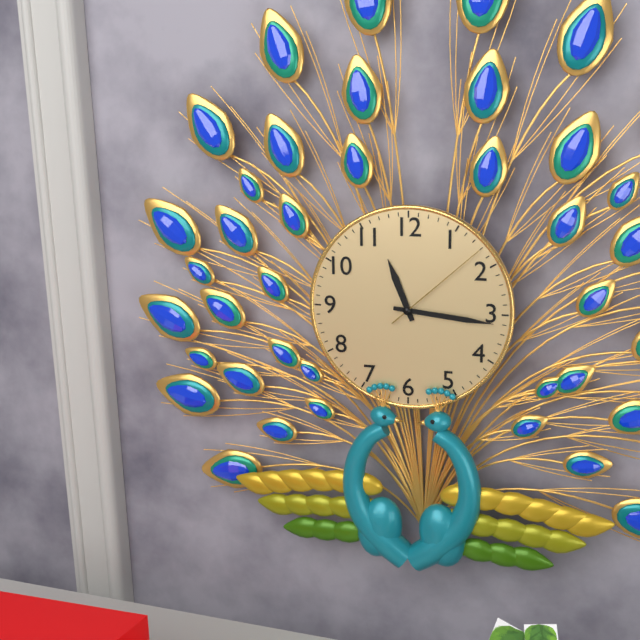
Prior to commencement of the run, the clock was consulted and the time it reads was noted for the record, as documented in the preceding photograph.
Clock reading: 11:16:08
